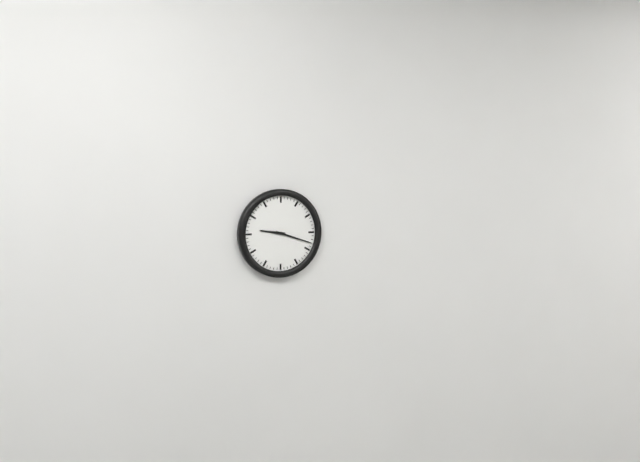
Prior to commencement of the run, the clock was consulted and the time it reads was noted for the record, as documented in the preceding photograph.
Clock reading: 9:18
